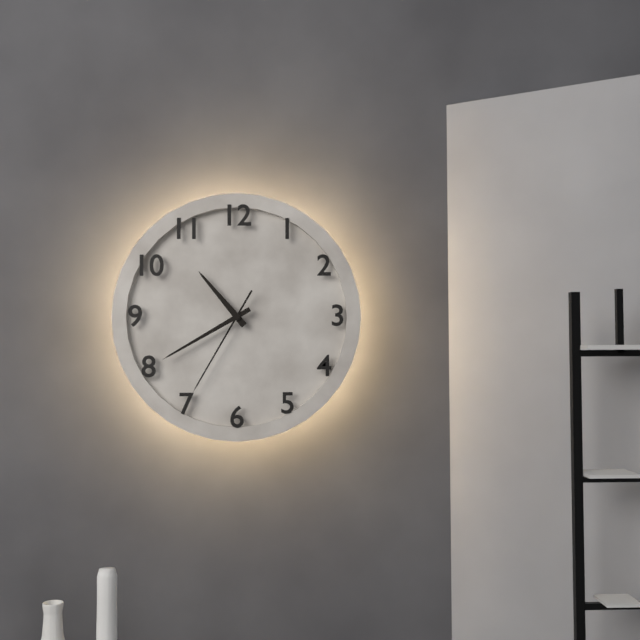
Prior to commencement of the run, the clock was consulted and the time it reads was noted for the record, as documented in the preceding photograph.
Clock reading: 10:40:35
